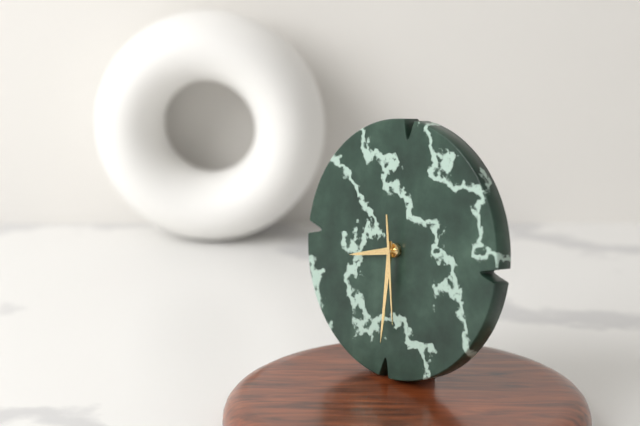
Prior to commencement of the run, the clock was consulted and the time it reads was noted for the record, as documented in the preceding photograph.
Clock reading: 8:30:28
